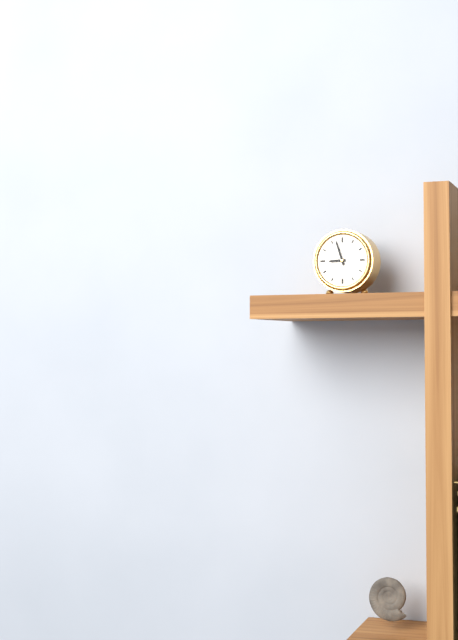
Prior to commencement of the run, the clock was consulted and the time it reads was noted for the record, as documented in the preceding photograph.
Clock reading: 8:57
